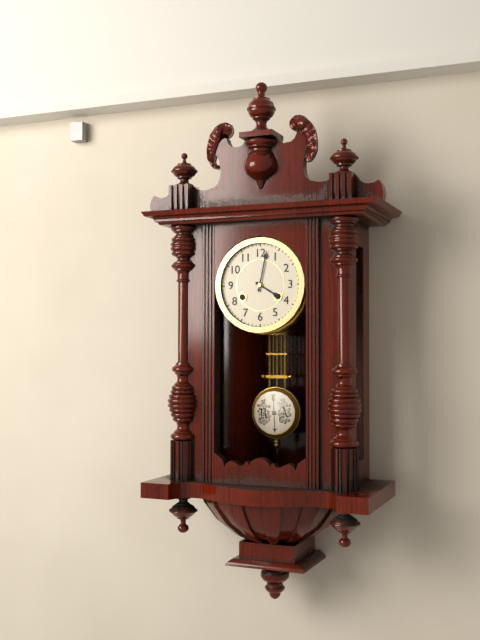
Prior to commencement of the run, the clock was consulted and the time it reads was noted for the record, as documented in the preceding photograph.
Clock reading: 4:02
